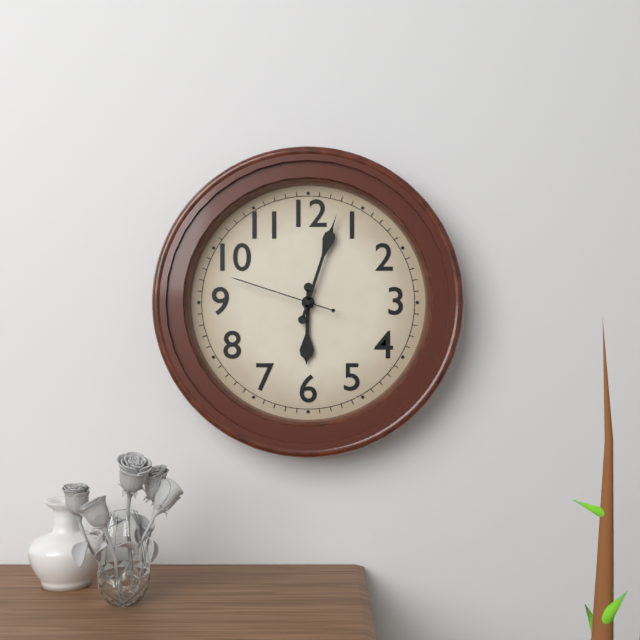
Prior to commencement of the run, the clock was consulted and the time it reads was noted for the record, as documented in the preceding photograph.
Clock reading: 6:03:48
